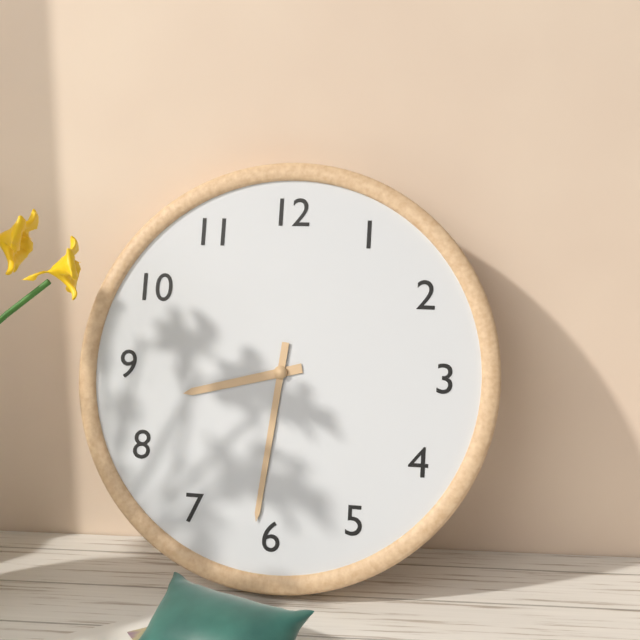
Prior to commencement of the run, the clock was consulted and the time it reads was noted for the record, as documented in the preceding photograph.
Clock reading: 8:31
